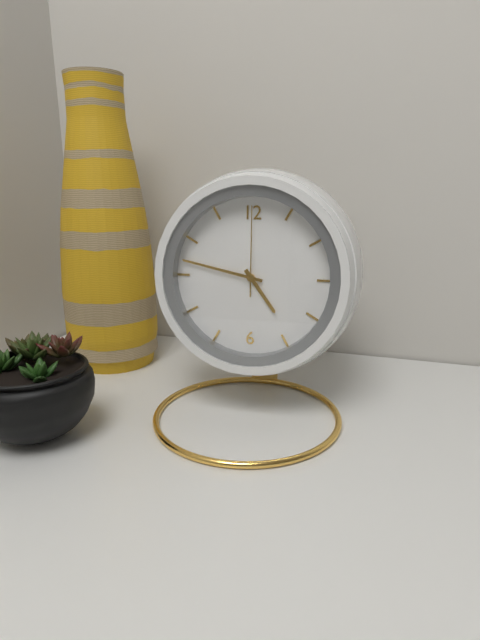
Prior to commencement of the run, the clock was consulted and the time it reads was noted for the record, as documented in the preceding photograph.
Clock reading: 4:47:00
